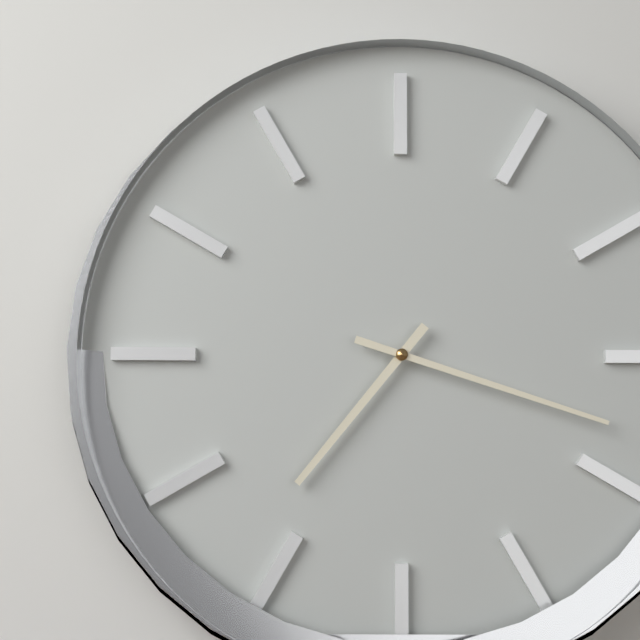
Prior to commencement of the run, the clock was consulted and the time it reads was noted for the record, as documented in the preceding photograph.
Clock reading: 7:18
